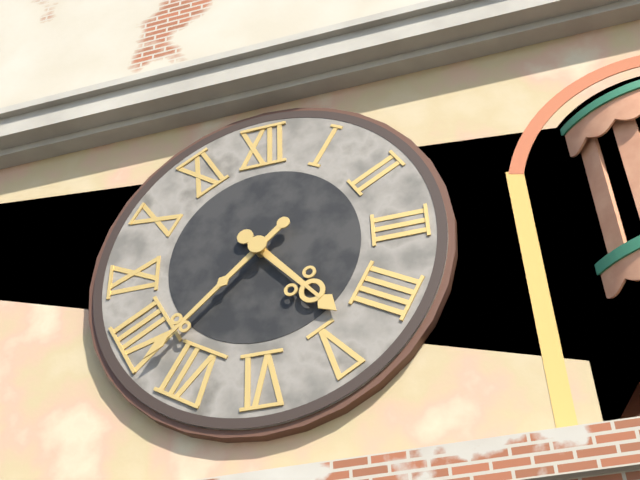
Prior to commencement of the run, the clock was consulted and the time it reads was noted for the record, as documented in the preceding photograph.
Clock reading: 4:38
